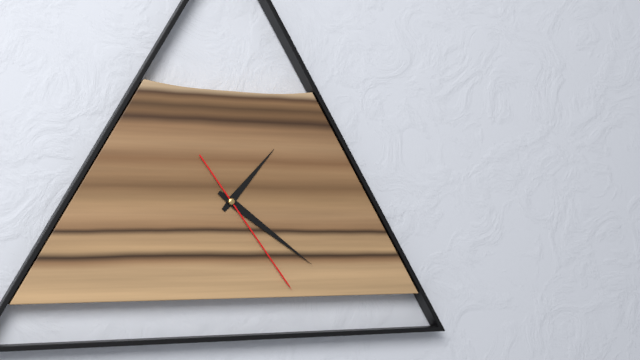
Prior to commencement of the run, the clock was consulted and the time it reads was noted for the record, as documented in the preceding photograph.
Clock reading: 1:21:24
